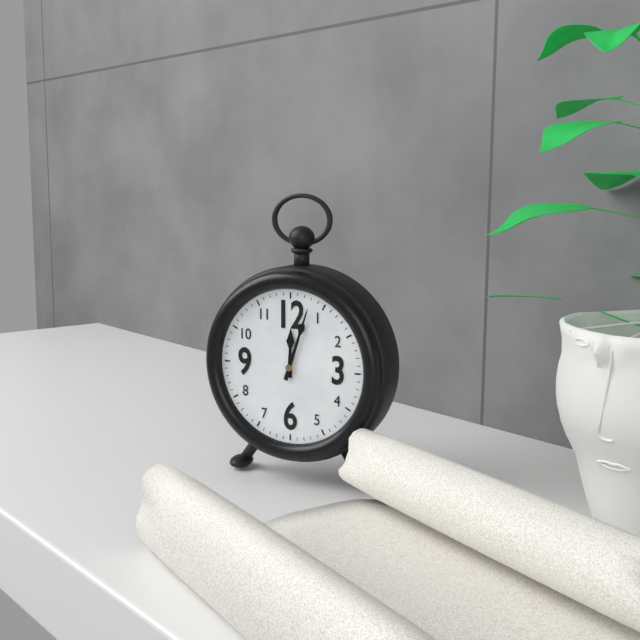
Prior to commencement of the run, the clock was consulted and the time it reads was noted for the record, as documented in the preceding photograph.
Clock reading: 12:03
